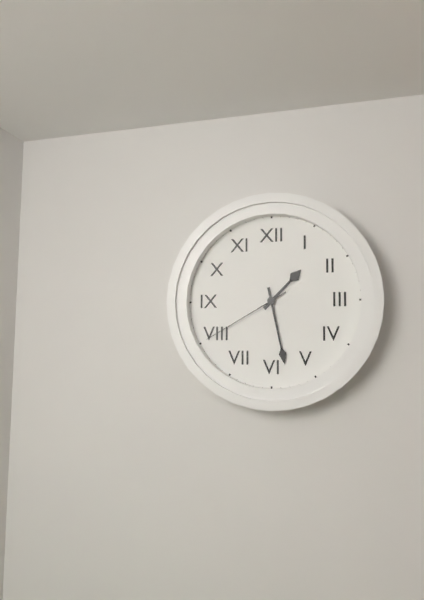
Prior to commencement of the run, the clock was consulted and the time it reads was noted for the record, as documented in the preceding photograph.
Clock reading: 1:28:40
